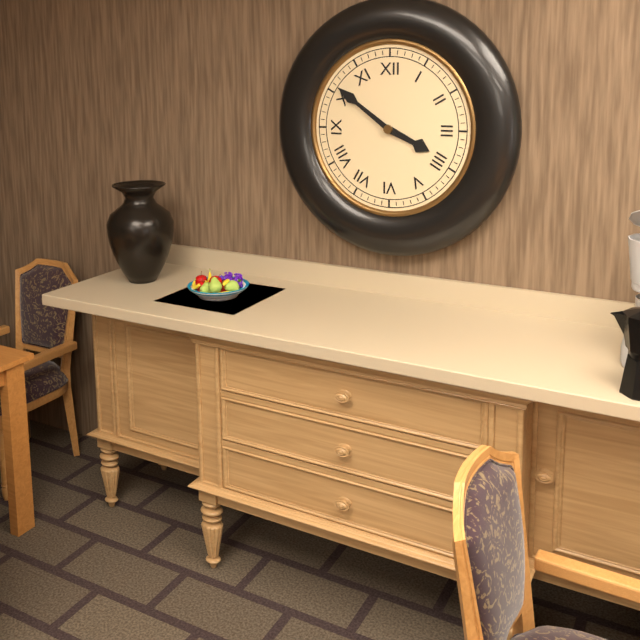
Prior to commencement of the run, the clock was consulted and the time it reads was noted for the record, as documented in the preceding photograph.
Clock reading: 3:51
